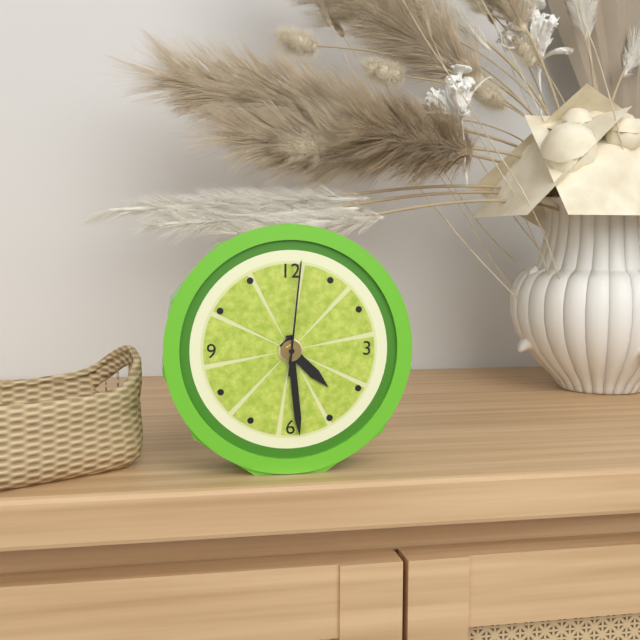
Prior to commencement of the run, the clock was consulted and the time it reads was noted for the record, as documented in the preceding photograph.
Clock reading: 4:29:01
